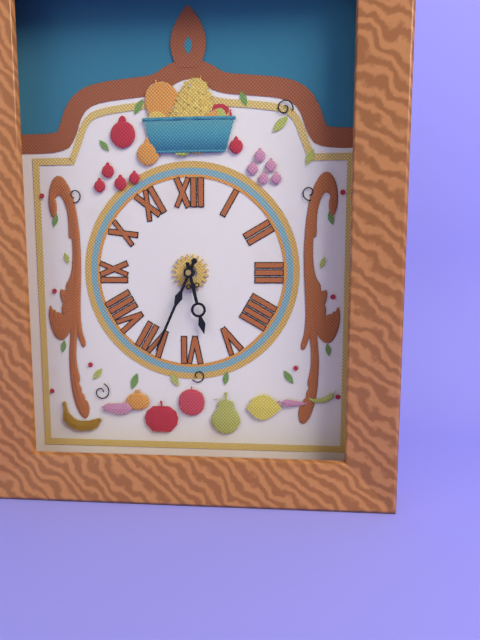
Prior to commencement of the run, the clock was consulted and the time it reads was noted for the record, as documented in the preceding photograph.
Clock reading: 5:34
